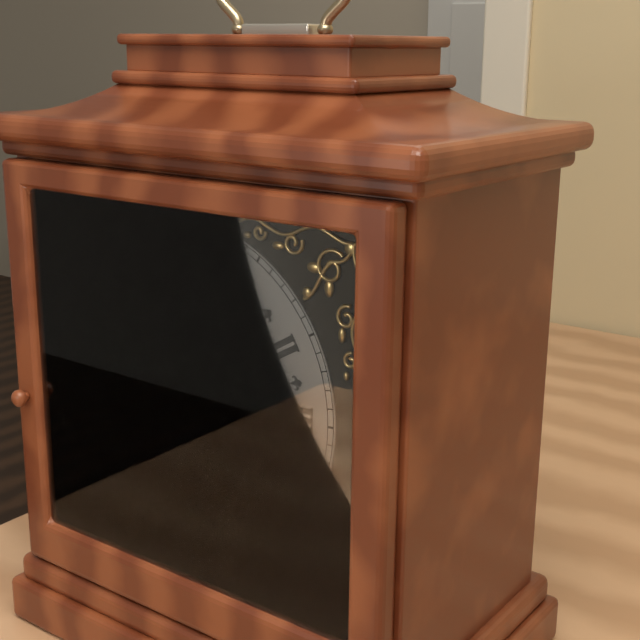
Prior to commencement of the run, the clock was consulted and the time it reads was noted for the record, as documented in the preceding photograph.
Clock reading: 1:45
